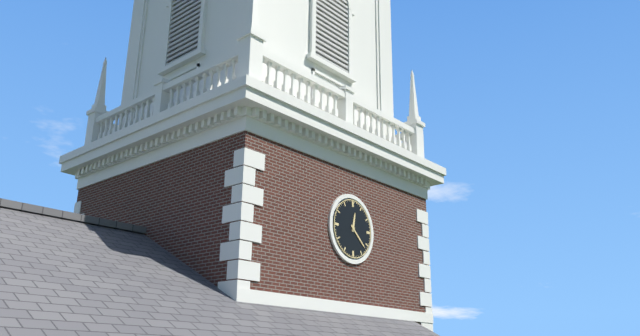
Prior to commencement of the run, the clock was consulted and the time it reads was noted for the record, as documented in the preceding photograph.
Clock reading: 12:22
